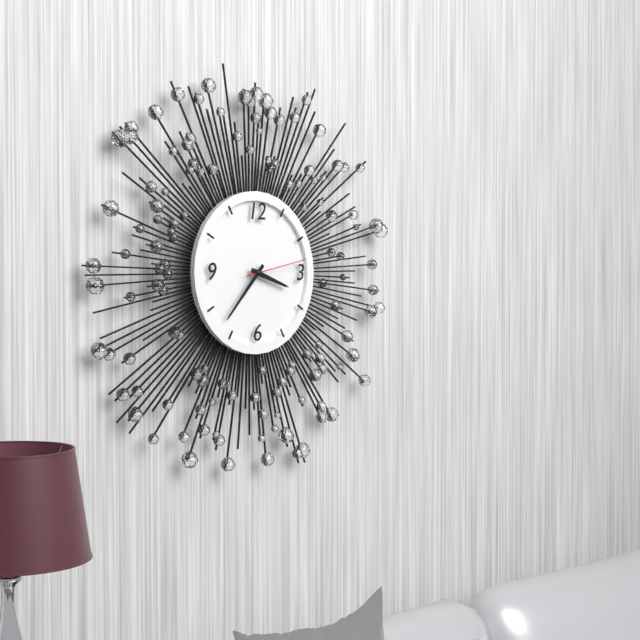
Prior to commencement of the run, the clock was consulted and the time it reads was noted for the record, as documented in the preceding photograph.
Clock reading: 3:37:13
